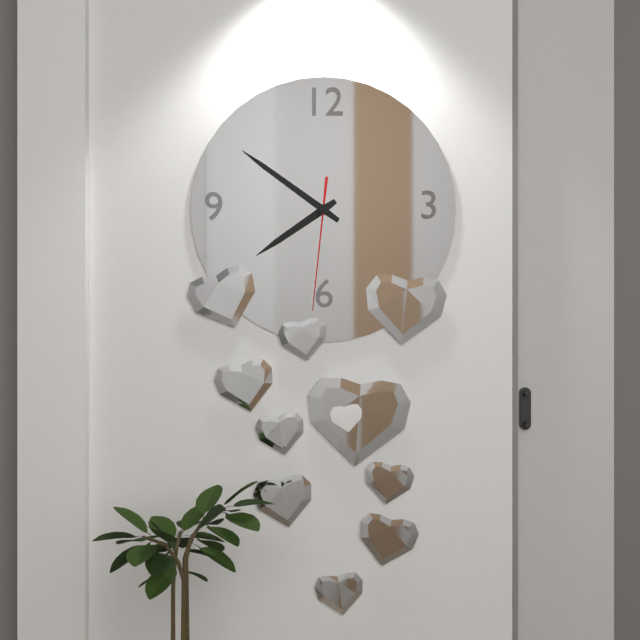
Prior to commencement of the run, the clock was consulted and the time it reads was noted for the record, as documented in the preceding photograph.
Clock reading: 7:51:31
